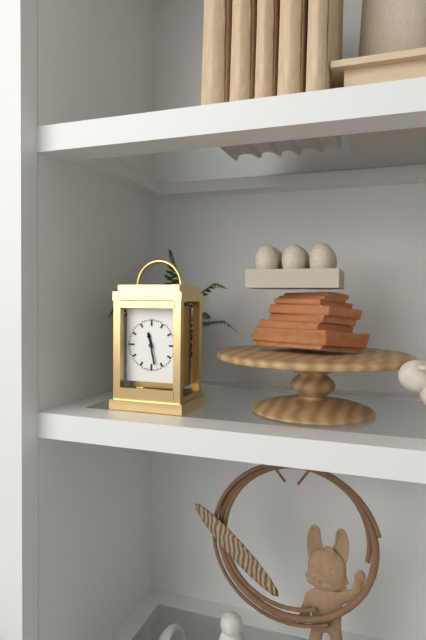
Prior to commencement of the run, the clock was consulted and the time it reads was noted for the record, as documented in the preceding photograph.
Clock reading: 11:28
